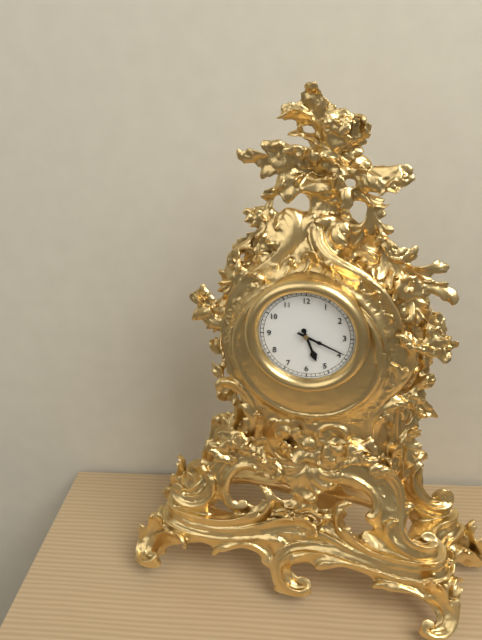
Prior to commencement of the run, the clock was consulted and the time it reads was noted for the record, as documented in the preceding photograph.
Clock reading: 5:19
